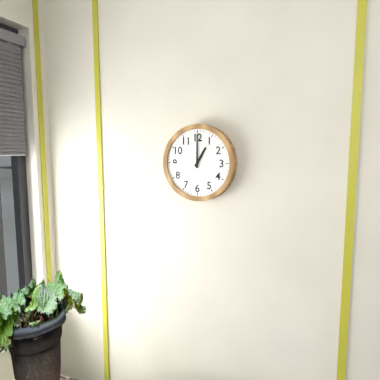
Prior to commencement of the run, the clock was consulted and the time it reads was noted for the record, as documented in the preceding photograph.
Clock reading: 1:00
